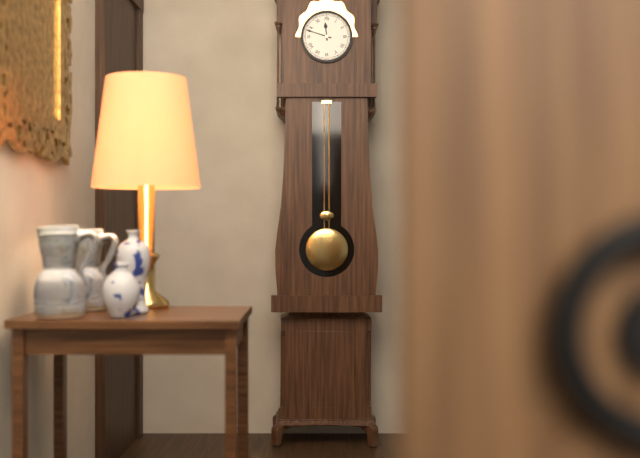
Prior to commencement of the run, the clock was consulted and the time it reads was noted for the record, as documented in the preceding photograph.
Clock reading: 11:48
